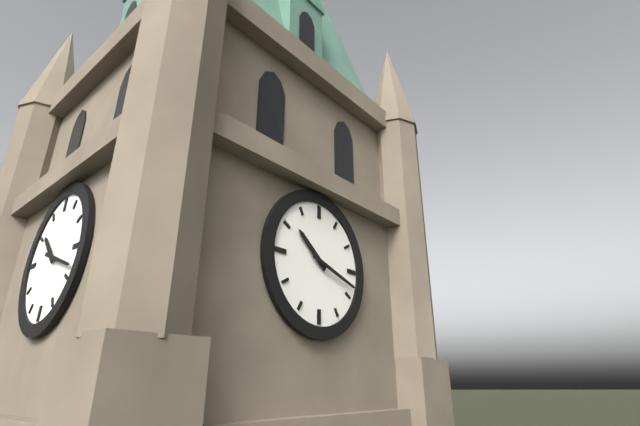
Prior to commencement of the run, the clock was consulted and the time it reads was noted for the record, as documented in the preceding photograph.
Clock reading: 10:18
